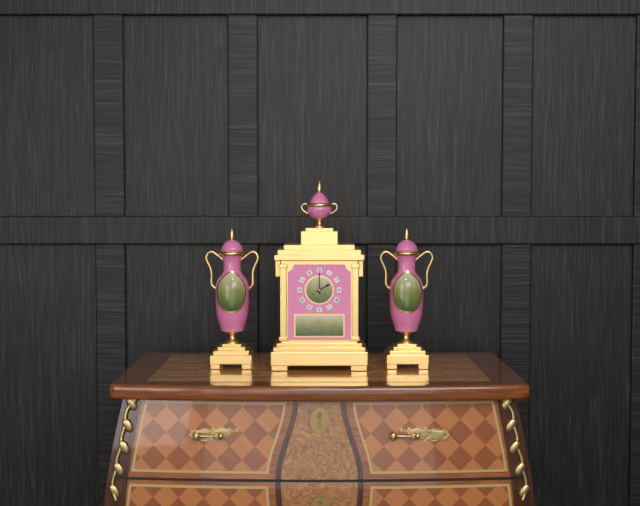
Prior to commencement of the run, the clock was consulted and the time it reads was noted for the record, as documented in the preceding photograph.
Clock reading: 2:00
